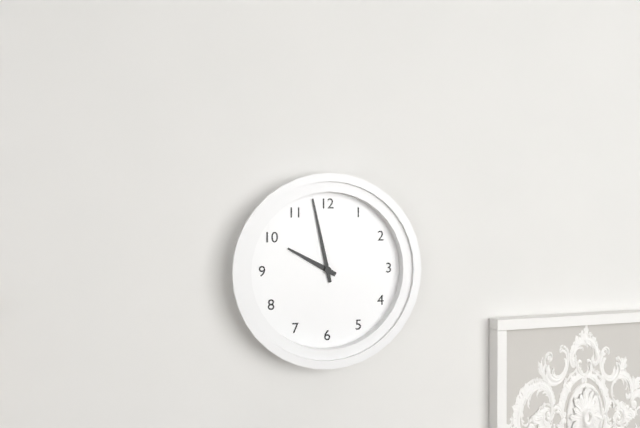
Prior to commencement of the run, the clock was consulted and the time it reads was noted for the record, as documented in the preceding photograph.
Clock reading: 9:58
